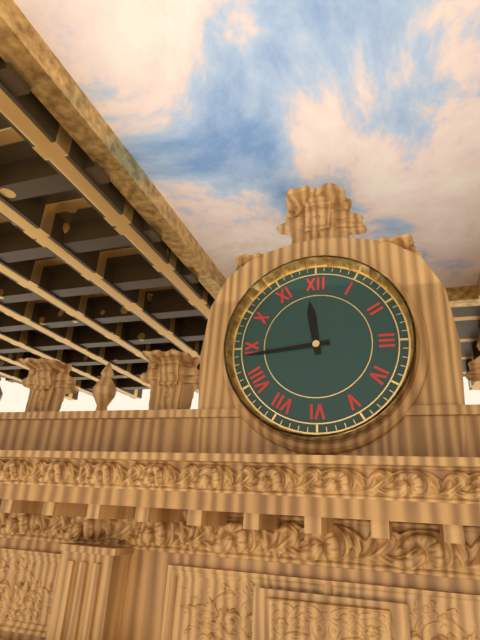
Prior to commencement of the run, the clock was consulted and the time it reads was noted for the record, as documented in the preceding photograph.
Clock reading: 11:44
